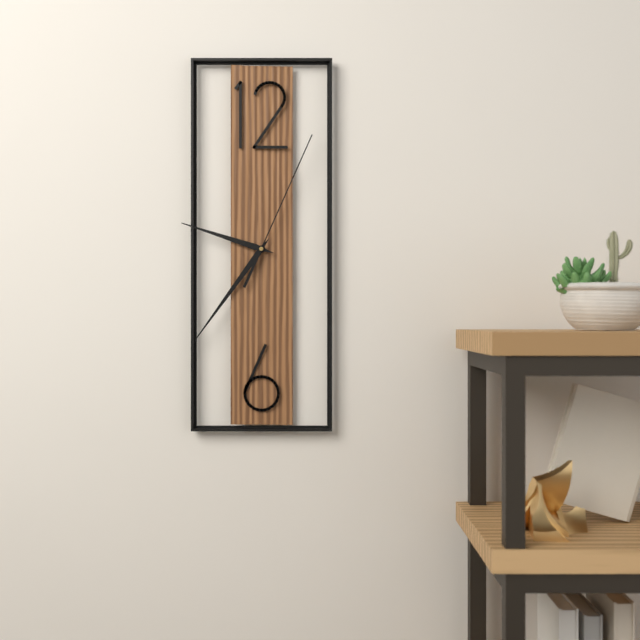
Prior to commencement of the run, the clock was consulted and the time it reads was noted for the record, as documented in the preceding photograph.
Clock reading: 9:36:04
